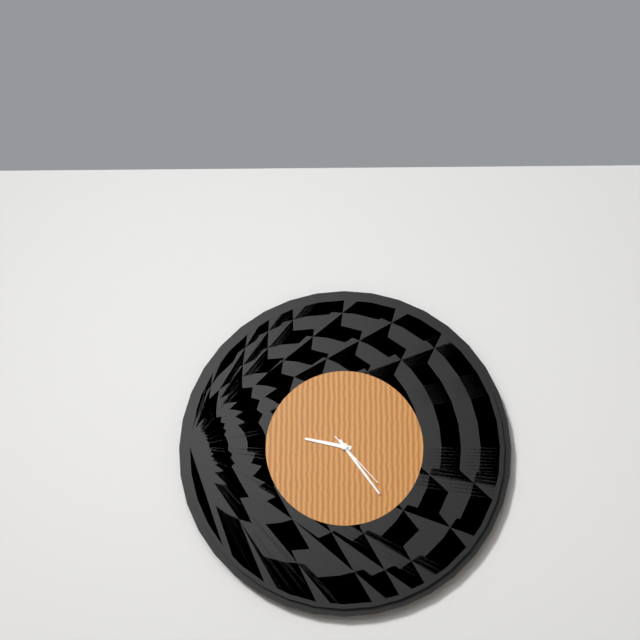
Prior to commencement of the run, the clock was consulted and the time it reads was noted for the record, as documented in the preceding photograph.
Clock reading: 9:24:23
